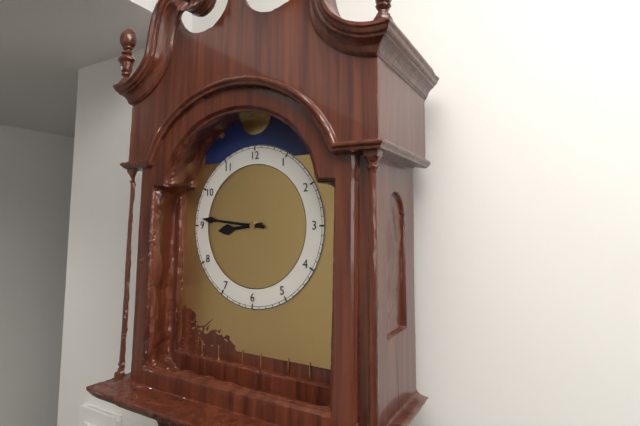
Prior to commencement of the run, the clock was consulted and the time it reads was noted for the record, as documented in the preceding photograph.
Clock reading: 8:46
